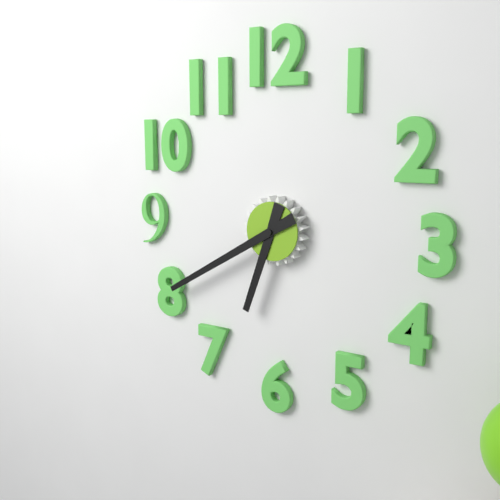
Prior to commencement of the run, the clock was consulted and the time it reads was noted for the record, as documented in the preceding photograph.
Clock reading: 6:40
